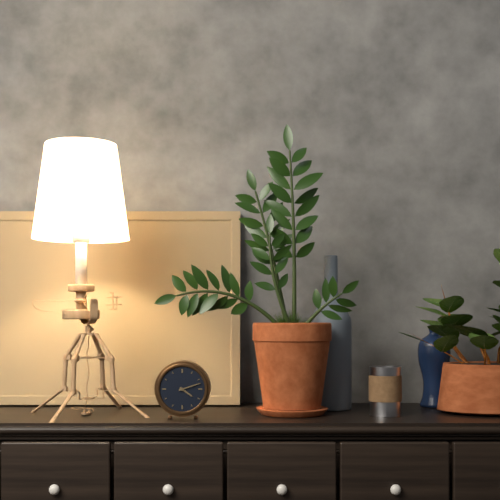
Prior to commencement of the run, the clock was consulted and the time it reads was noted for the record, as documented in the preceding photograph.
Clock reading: 4:12
